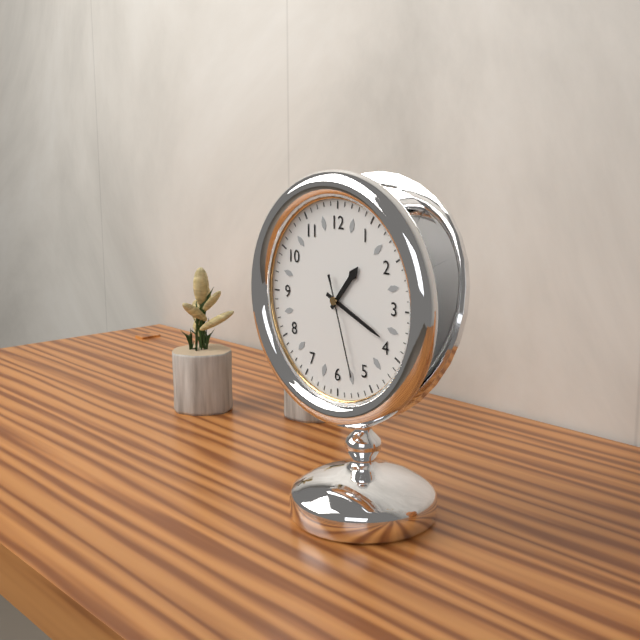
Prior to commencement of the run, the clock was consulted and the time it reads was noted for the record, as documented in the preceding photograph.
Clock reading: 1:19:27
